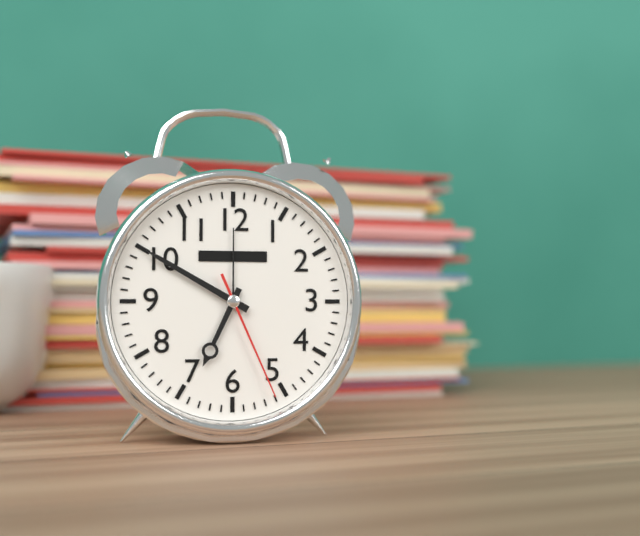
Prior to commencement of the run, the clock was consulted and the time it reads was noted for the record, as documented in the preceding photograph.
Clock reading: 6:50:26
